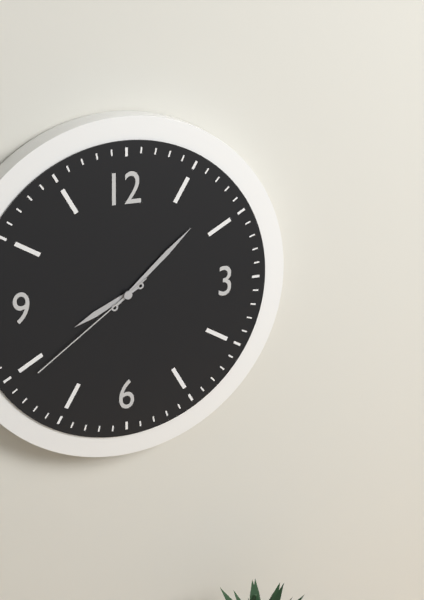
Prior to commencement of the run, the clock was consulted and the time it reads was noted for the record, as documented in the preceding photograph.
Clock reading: 8:08:39
